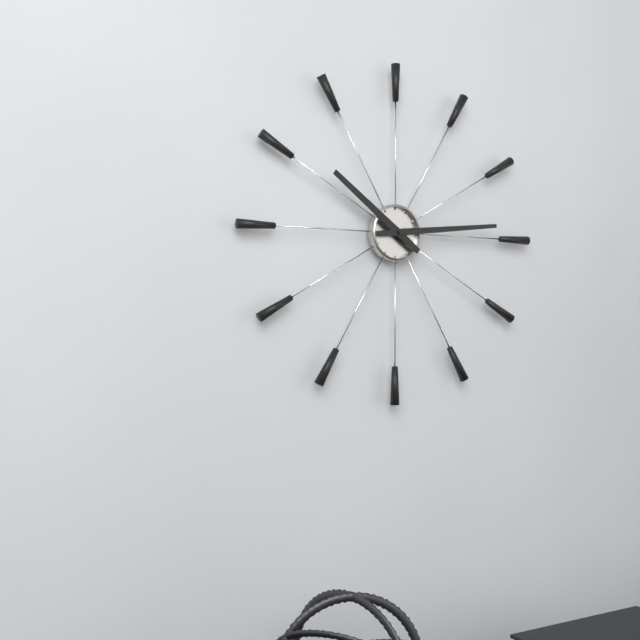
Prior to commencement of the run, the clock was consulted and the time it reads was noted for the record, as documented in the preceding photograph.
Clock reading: 10:14
